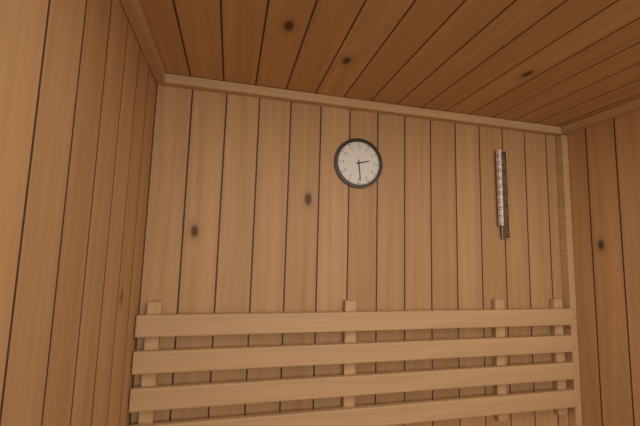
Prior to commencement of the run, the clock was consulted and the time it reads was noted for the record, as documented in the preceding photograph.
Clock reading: 2:29
